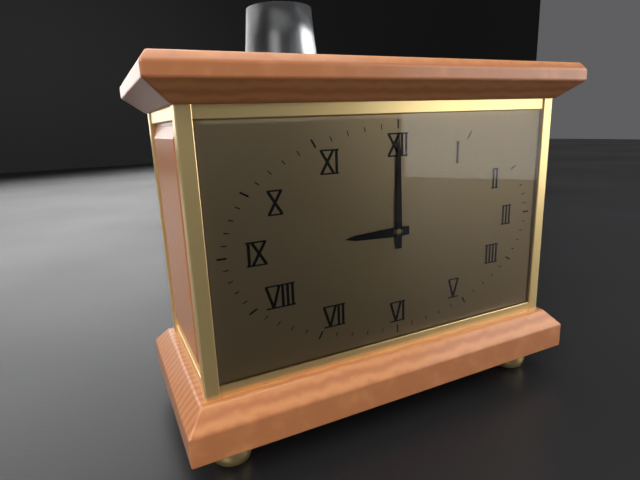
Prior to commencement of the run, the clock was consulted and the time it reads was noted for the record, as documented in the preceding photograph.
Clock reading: 9:00
